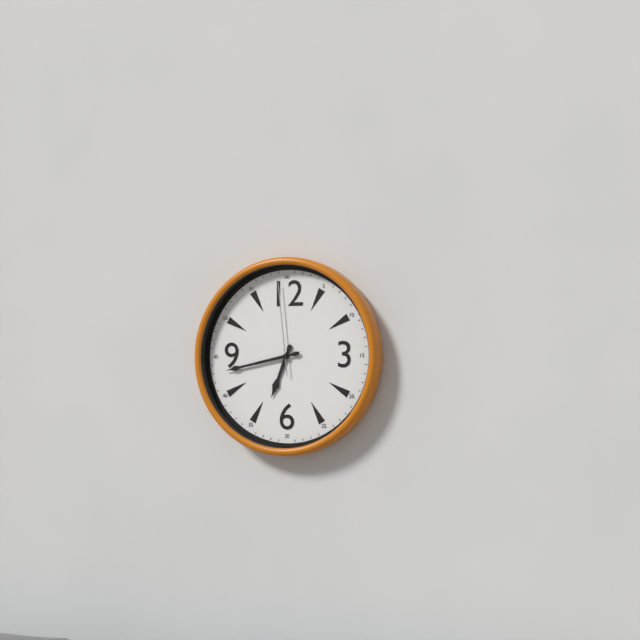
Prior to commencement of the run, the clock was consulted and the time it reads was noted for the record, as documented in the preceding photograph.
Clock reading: 6:43:59
